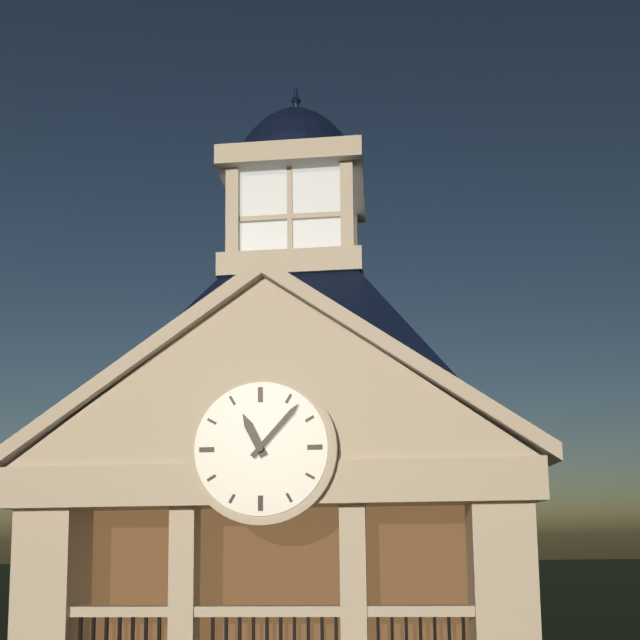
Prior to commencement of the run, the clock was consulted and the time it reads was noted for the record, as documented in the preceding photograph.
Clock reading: 11:07
